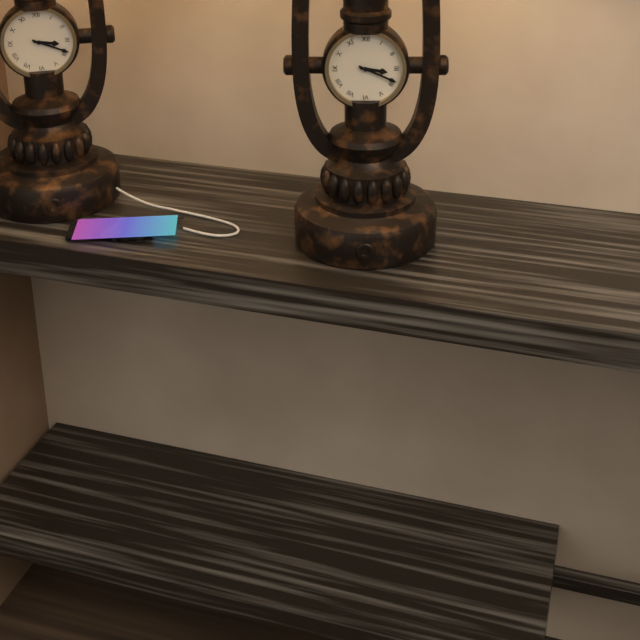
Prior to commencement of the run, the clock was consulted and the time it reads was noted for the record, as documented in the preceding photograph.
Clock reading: 3:19
